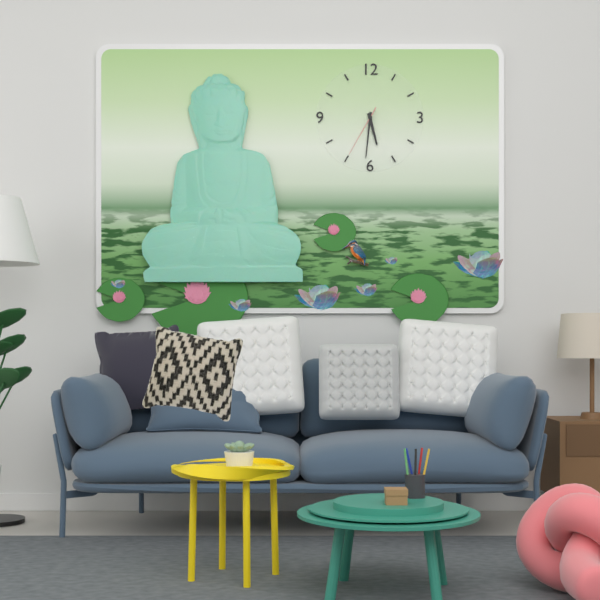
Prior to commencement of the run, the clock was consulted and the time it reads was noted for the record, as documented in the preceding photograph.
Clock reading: 5:31:35
